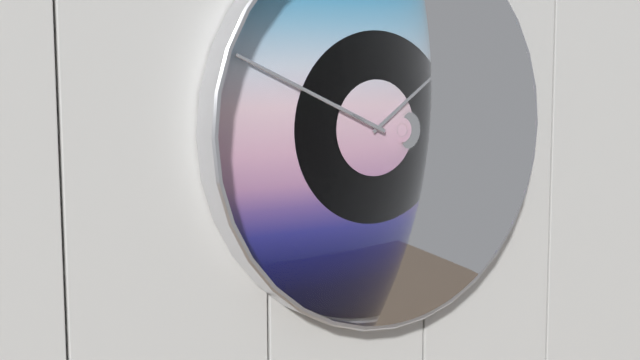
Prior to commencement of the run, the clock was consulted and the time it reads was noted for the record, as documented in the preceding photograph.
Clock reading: 1:49
